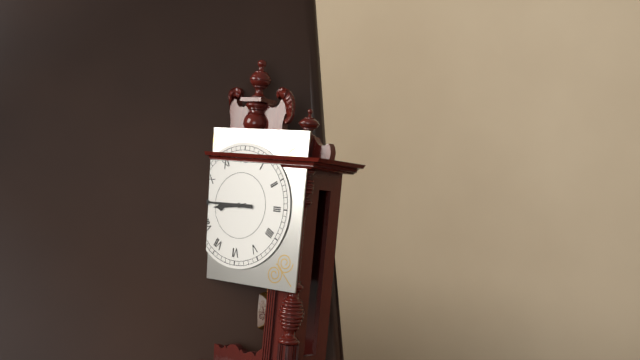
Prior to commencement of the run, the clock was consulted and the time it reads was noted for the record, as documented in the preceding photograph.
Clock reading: 8:45
